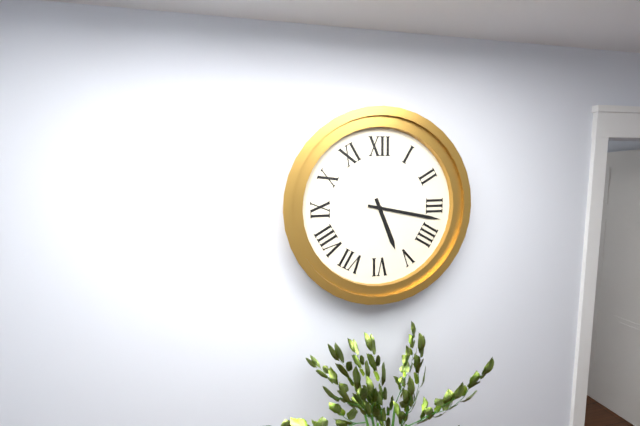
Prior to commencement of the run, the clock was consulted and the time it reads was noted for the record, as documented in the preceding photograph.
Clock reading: 5:17
